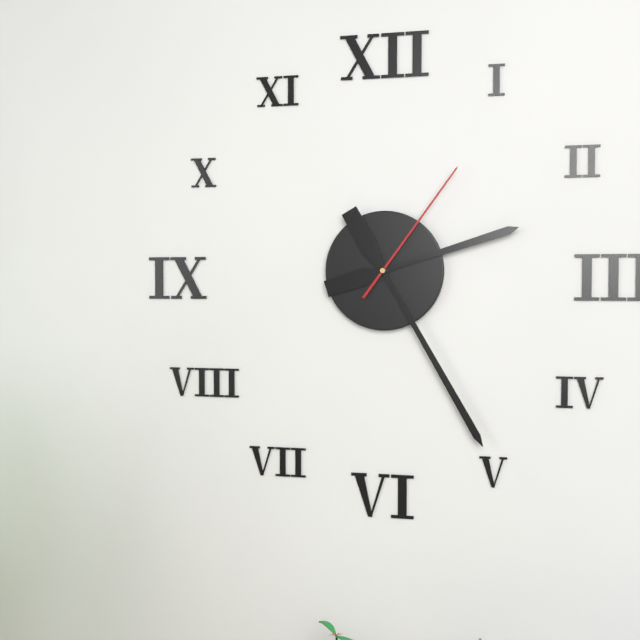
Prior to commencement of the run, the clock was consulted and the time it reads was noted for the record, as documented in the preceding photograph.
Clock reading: 2:25:06
